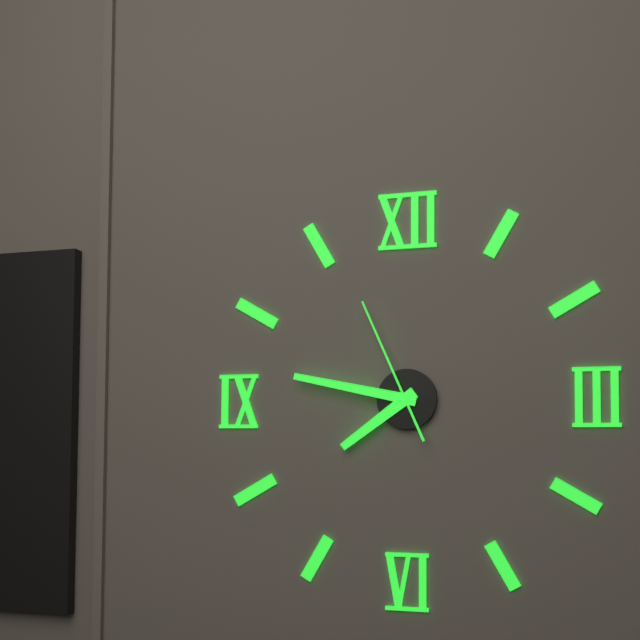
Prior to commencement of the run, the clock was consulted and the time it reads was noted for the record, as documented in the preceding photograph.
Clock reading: 7:47:56
